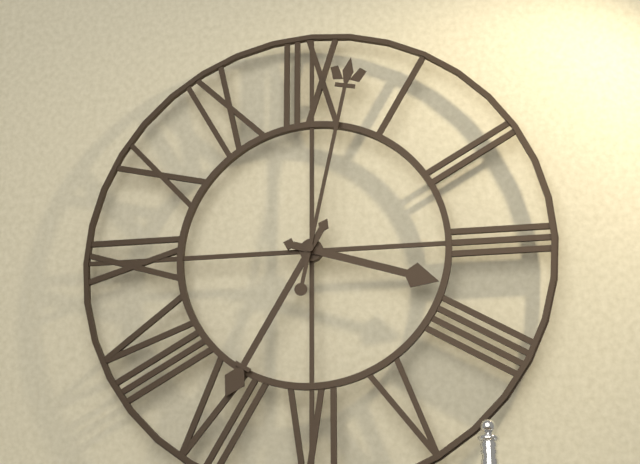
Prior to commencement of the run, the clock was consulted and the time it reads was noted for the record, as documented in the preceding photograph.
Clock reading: 3:35:02
